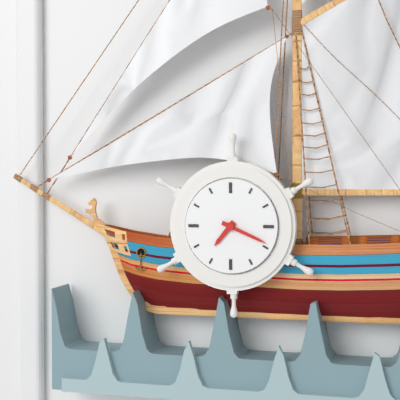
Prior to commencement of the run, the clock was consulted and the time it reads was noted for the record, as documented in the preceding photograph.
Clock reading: 7:19
